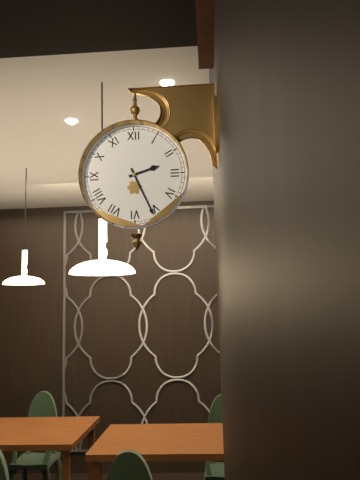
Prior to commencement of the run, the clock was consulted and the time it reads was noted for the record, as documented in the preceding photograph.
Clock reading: 2:26
